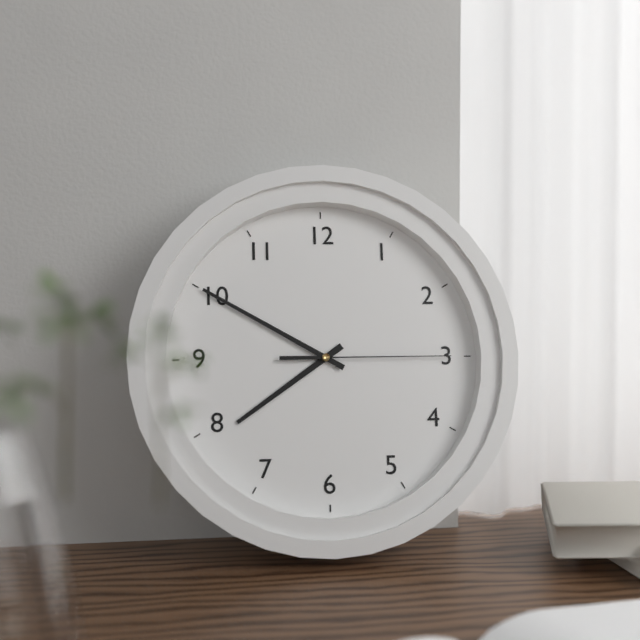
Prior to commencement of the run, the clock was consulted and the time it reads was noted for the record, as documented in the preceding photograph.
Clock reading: 7:50:15
